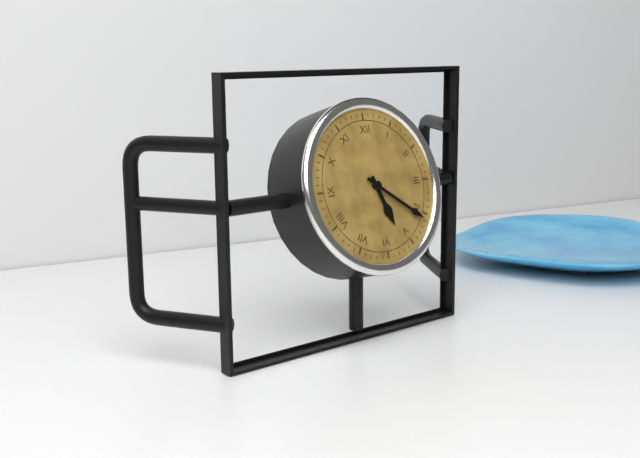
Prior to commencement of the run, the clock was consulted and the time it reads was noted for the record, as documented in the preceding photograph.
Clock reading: 5:21
